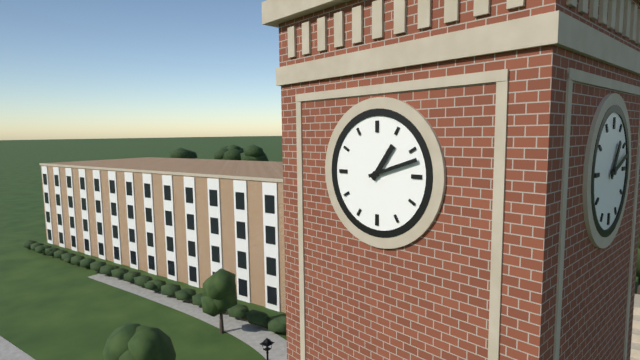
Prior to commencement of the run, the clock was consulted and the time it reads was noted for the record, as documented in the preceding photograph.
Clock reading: 1:12
